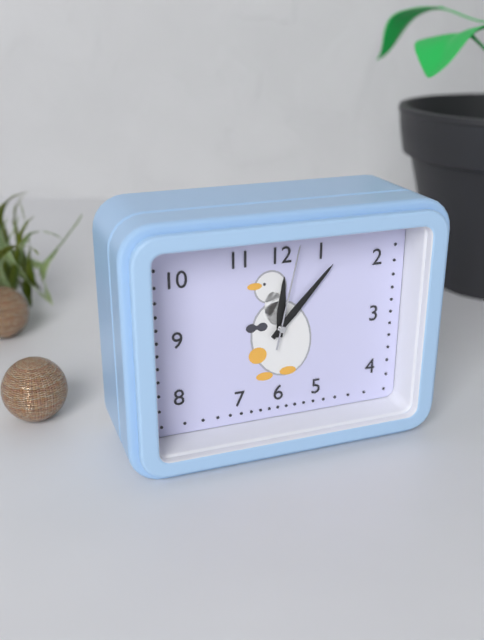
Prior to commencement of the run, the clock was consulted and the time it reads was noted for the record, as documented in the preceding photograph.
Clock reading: 12:07:02
